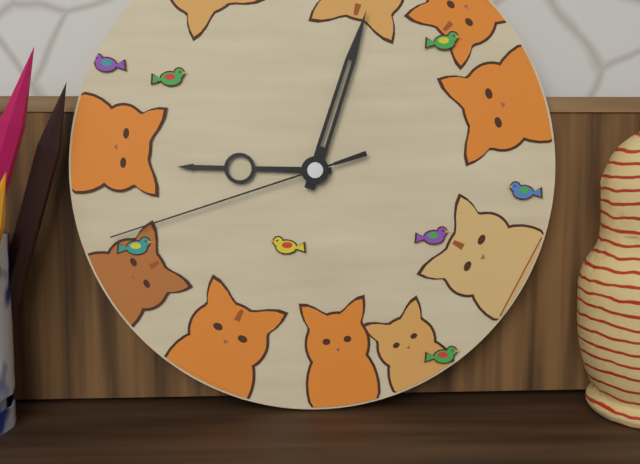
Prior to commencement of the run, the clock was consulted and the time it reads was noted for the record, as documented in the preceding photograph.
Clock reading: 9:03:42
